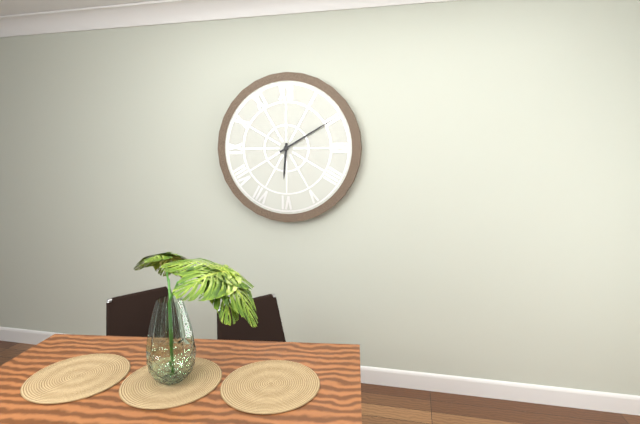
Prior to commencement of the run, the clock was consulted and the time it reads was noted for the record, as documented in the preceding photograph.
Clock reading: 6:10
